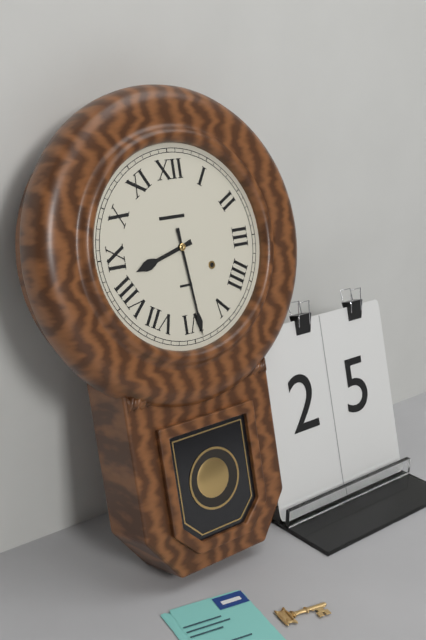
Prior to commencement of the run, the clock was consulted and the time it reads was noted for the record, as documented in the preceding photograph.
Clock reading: 8:29
